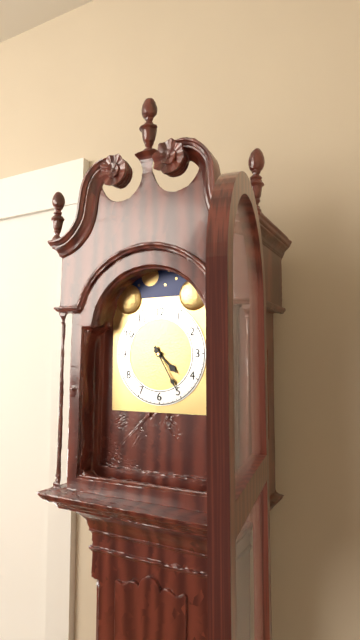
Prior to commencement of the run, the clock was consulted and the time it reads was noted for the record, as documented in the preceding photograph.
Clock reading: 4:25
